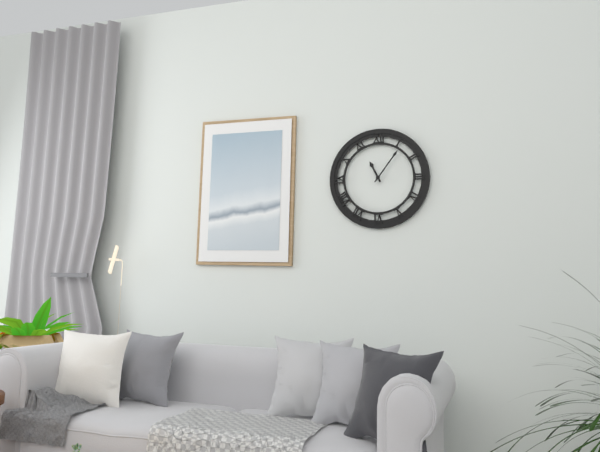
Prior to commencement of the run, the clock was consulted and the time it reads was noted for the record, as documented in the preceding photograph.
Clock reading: 11:06
